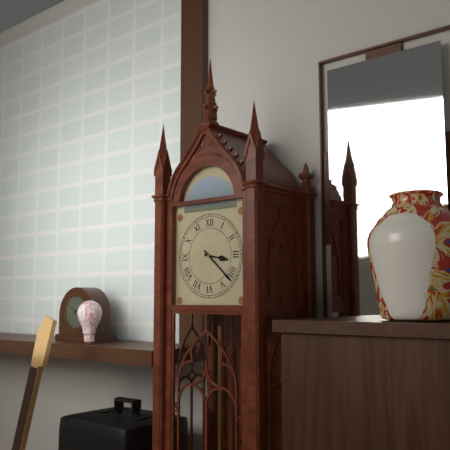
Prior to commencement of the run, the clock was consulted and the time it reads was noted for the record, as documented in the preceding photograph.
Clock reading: 3:22
